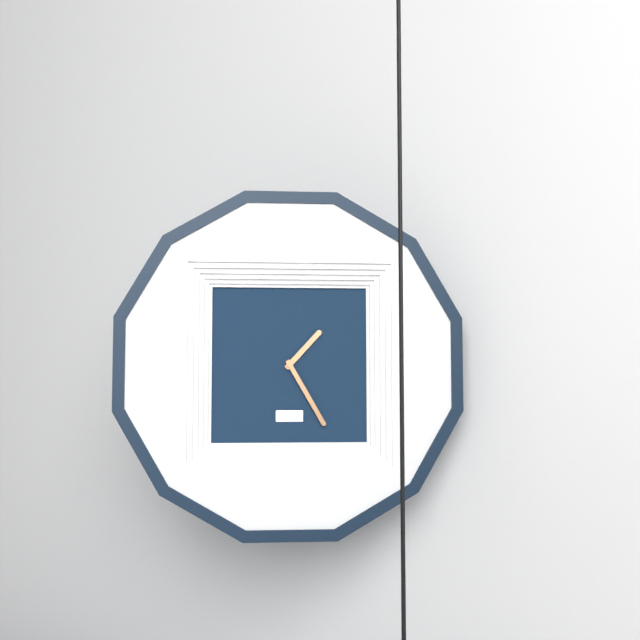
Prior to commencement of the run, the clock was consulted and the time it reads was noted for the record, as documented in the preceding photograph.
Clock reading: 1:25
